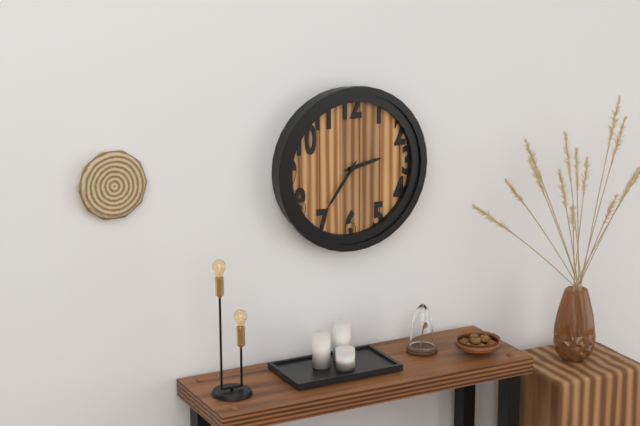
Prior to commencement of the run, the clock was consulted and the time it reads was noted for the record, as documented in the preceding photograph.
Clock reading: 2:36
